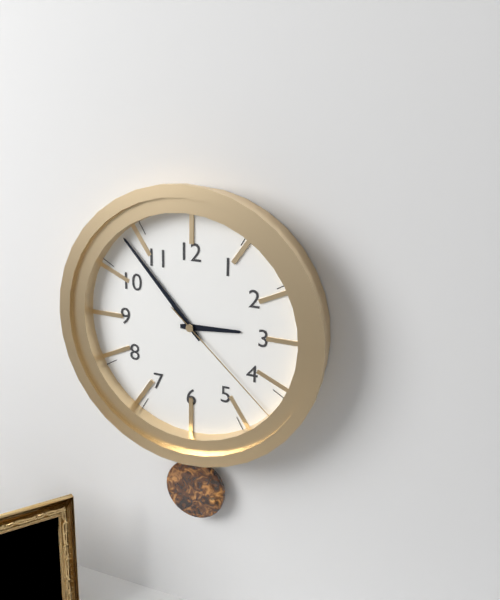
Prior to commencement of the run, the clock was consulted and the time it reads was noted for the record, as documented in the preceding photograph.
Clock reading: 2:53:22
